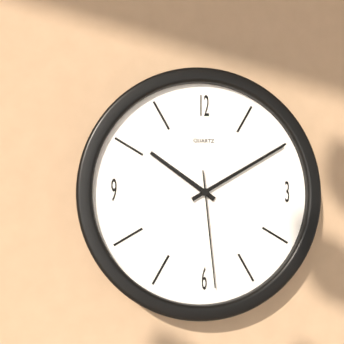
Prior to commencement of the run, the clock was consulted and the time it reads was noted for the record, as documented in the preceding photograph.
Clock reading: 10:10:29
